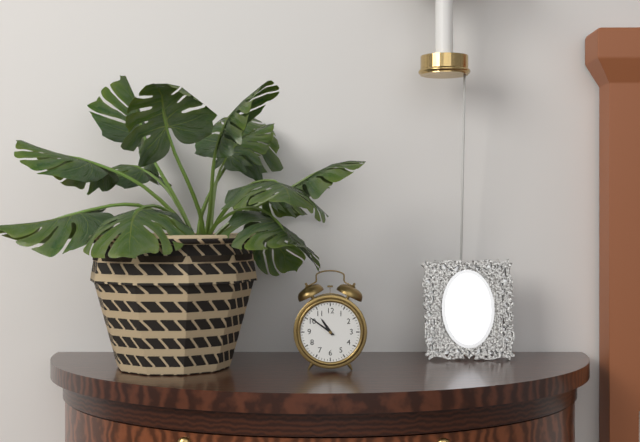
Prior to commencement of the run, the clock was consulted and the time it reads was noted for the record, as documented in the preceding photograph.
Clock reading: 10:51
